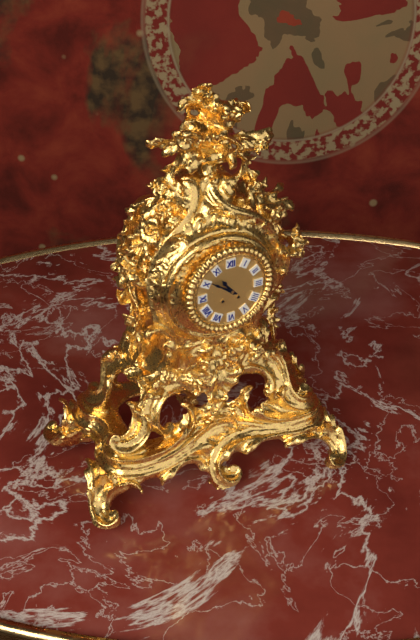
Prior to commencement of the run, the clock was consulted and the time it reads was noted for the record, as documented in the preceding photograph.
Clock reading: 10:51
